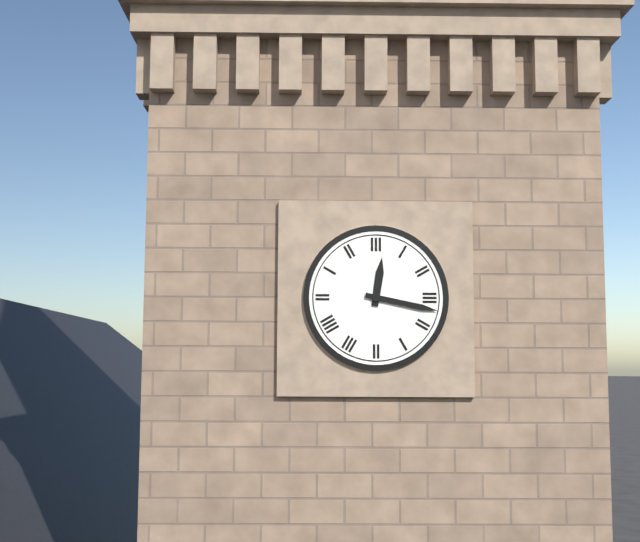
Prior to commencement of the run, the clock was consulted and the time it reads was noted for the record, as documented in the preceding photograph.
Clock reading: 12:17
